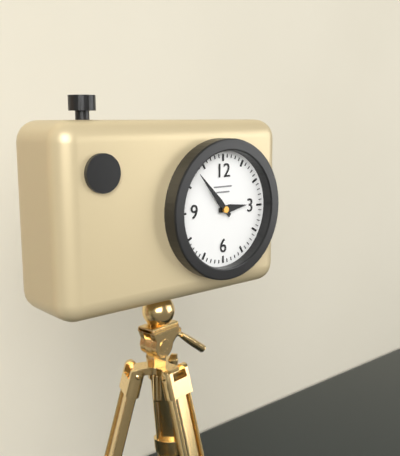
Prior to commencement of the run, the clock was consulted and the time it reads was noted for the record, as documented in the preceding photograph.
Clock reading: 2:53
